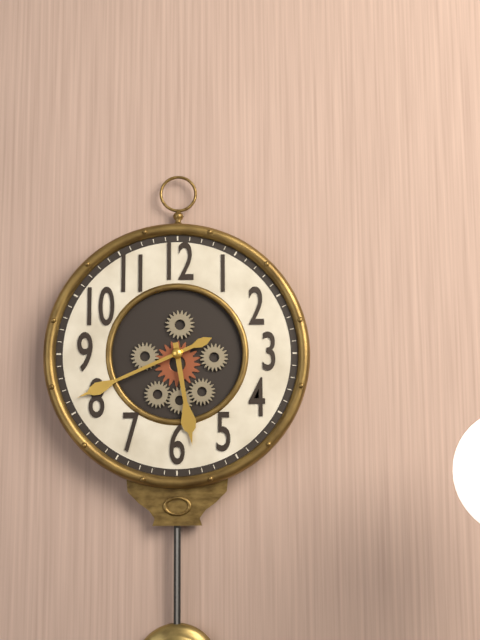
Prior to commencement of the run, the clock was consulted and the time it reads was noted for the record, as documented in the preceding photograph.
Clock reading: 5:41
